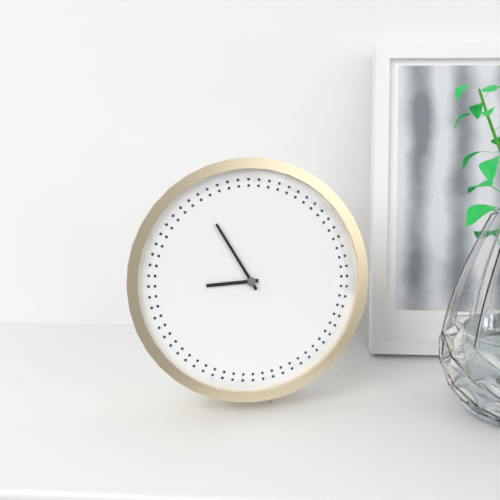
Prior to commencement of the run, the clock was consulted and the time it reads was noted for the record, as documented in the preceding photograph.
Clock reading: 8:55
